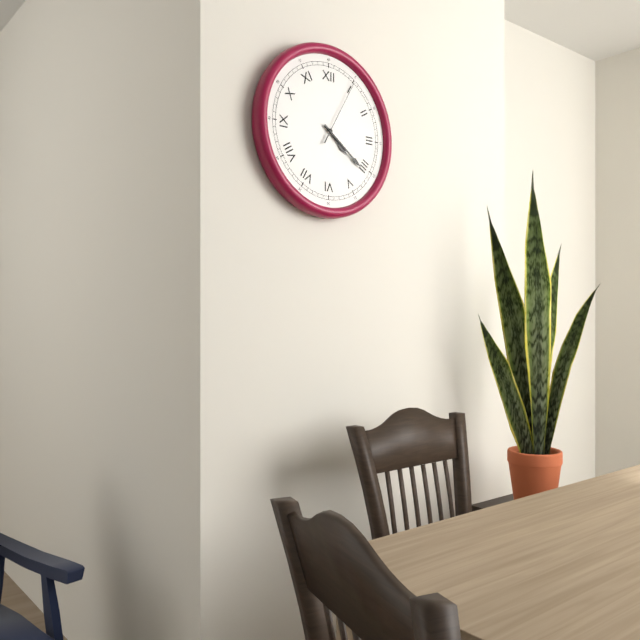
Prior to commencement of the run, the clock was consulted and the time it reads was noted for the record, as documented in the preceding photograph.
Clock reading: 4:21:05
